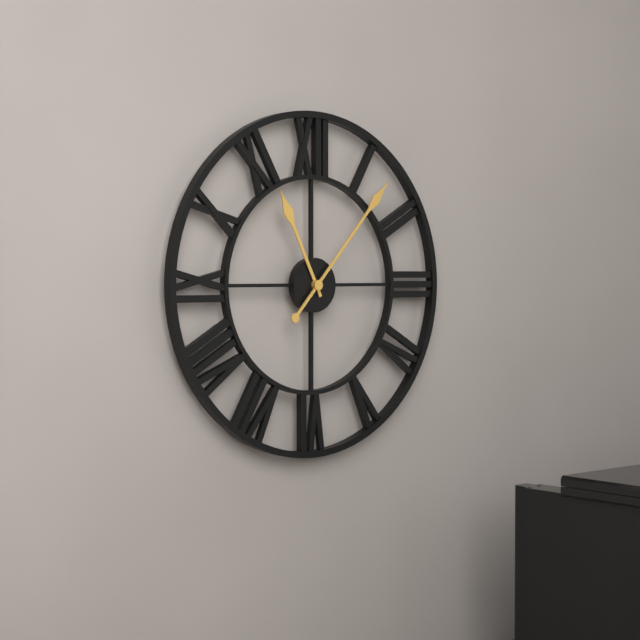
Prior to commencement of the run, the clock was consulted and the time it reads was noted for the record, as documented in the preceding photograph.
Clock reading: 11:07
